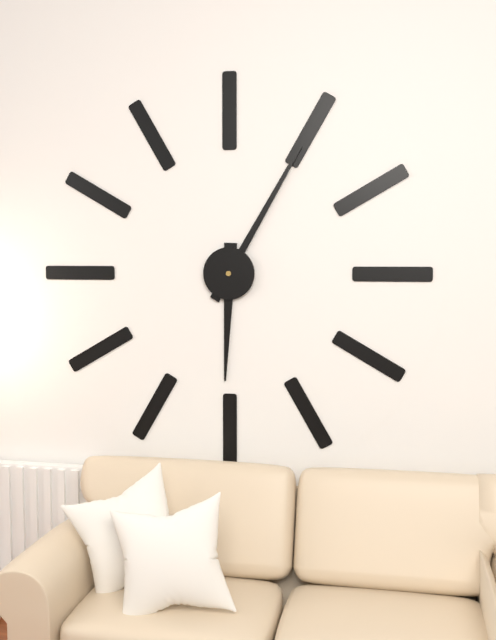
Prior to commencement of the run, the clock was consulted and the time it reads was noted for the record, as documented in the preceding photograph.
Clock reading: 6:05
